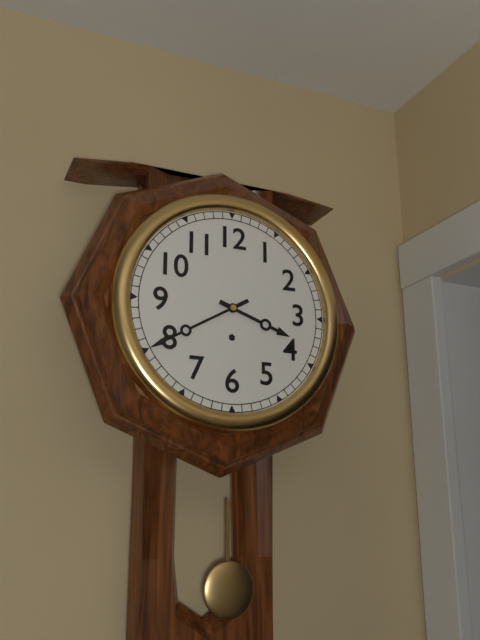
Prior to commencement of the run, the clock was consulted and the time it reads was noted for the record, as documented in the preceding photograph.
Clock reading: 3:40
